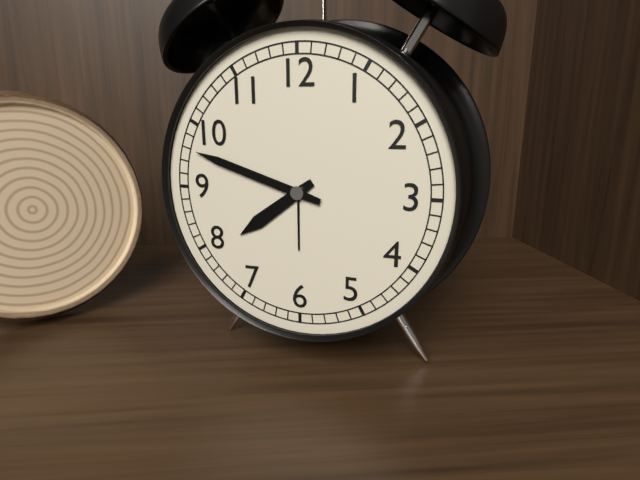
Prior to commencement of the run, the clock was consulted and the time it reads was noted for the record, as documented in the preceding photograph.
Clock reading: 7:48
